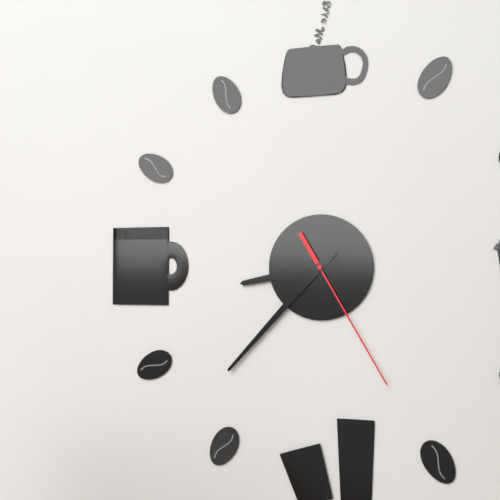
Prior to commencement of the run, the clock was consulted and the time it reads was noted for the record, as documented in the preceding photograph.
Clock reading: 8:37:25
